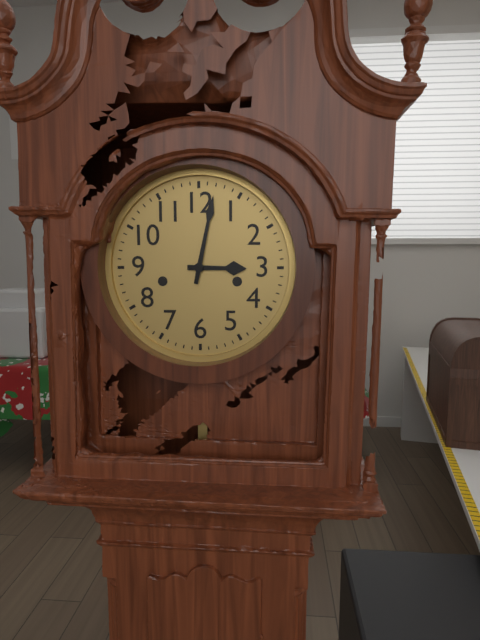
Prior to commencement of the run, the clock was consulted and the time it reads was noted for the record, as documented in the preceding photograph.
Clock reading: 3:02
